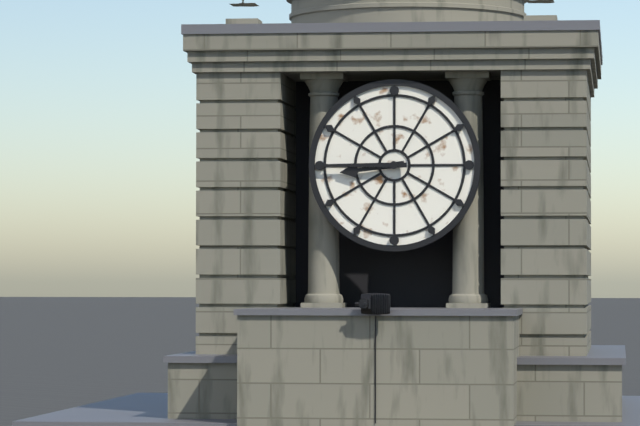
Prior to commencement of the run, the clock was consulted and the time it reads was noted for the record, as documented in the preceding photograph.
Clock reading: 8:45
